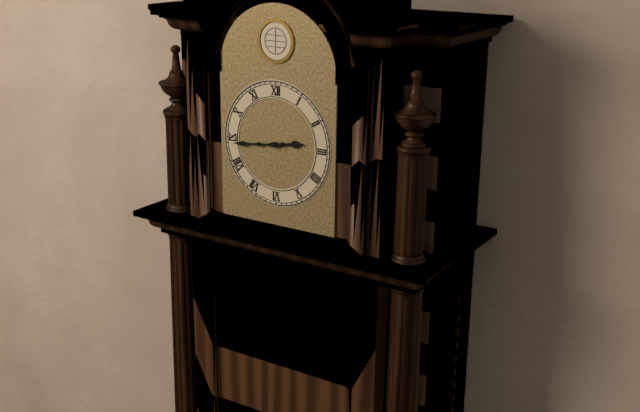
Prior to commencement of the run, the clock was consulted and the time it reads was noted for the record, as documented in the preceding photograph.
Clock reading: 2:44
